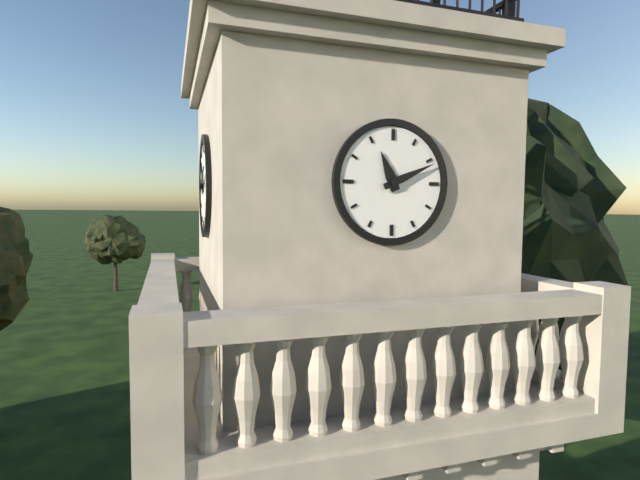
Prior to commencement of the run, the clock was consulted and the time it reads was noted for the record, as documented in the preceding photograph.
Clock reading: 11:11
